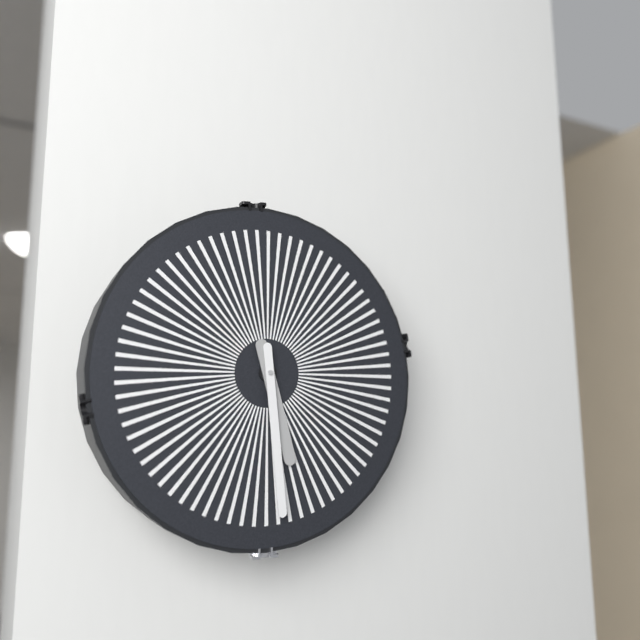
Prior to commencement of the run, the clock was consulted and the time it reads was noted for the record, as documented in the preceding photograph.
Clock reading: 5:29
